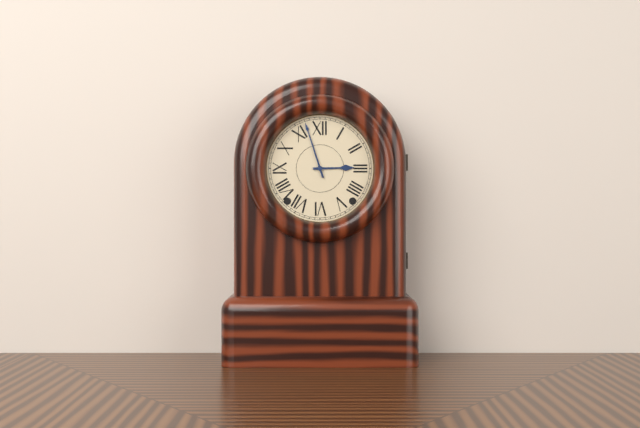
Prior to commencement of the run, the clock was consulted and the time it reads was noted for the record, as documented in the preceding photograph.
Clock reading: 2:57
